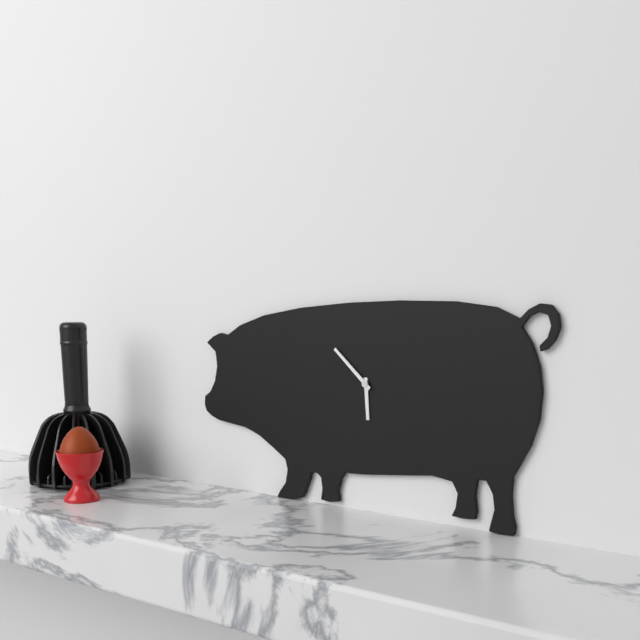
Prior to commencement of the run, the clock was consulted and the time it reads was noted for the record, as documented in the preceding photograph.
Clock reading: 5:52
